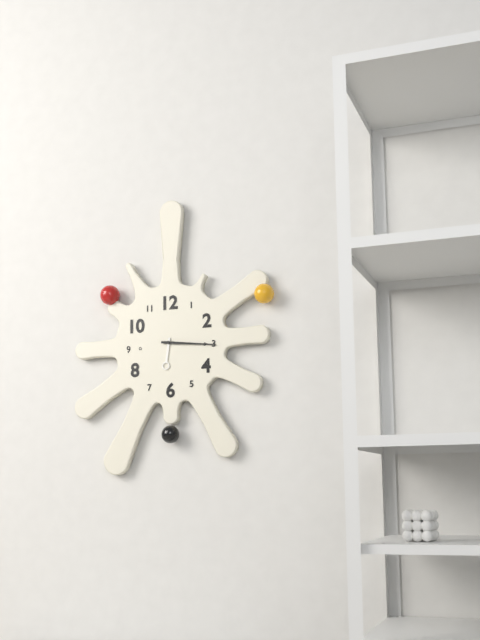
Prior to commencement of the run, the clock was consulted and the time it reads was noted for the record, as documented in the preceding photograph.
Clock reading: 6:16
